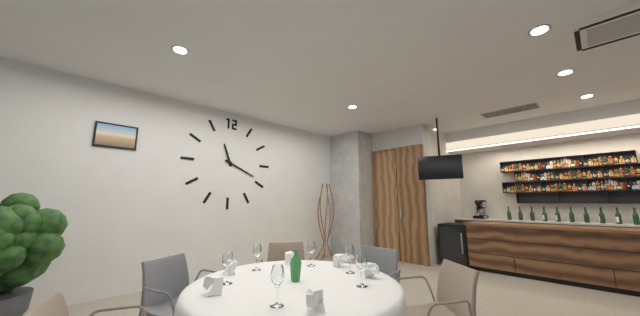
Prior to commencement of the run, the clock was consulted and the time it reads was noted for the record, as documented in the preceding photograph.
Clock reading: 11:19
